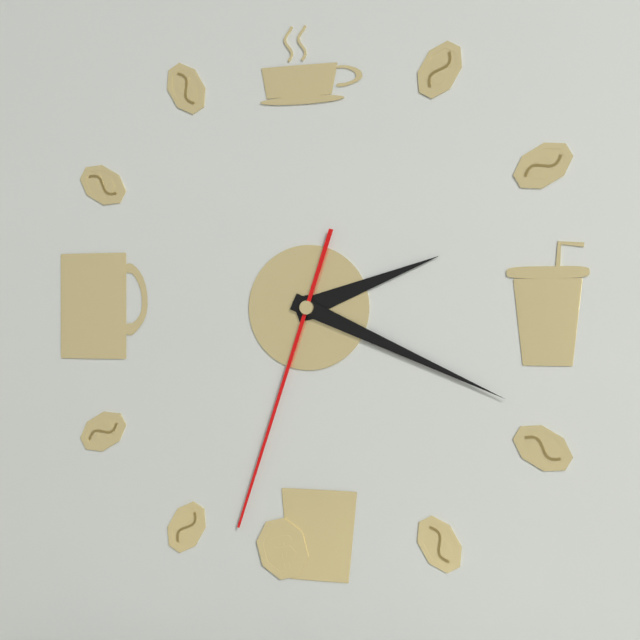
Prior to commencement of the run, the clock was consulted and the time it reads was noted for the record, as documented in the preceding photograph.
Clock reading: 2:19:33
